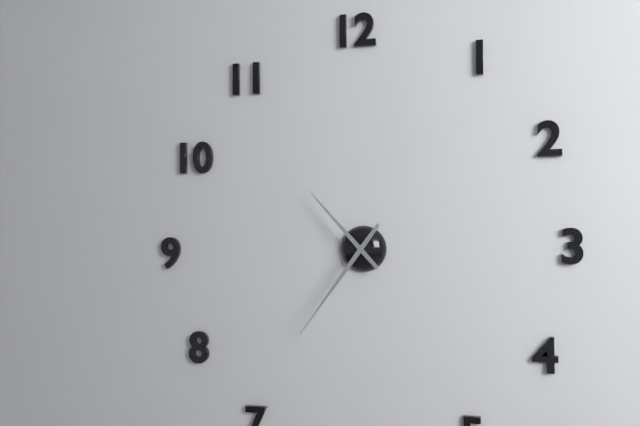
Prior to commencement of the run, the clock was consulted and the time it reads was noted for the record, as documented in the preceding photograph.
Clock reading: 10:36
